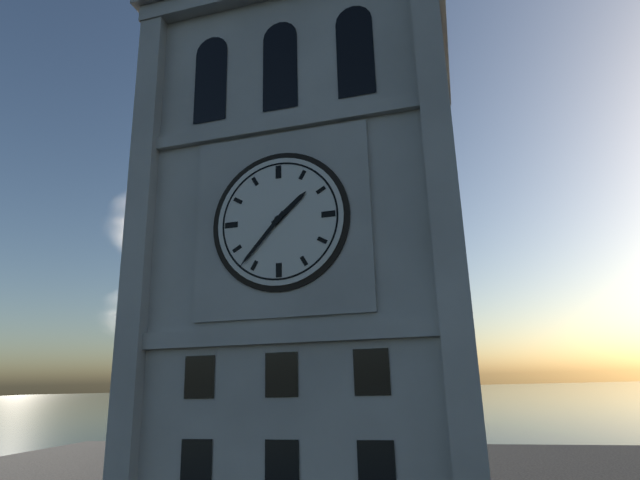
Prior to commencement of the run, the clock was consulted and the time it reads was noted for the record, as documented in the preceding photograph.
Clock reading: 1:37
